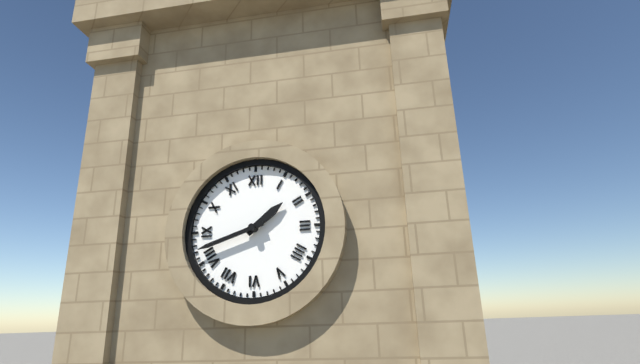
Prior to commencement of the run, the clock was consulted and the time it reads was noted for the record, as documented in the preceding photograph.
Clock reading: 1:42
